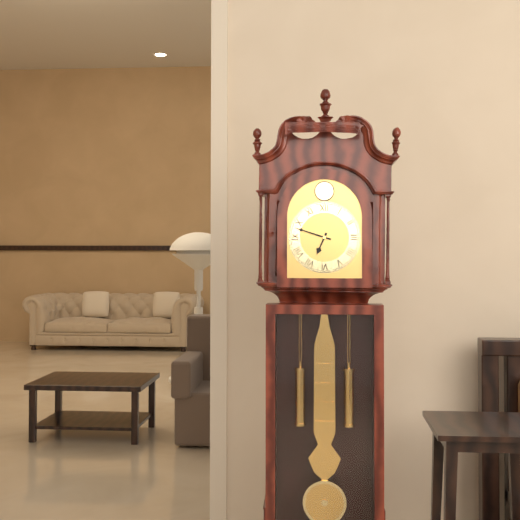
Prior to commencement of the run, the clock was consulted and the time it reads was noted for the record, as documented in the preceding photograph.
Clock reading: 6:48
